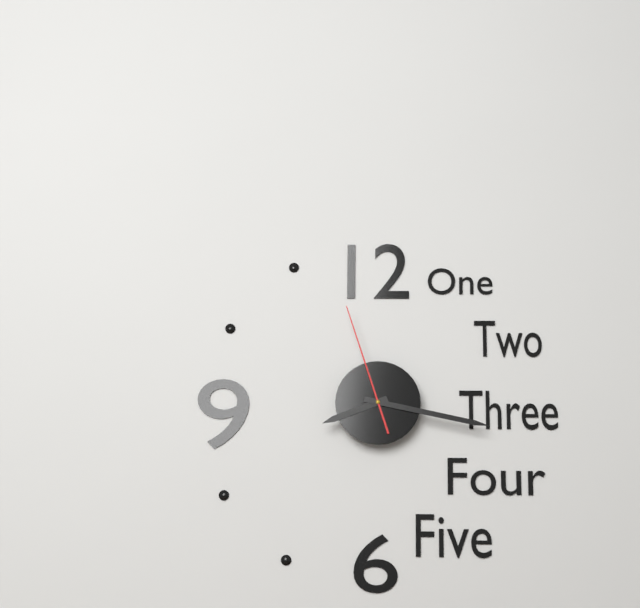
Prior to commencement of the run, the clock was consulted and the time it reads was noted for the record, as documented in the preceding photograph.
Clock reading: 8:17:57
